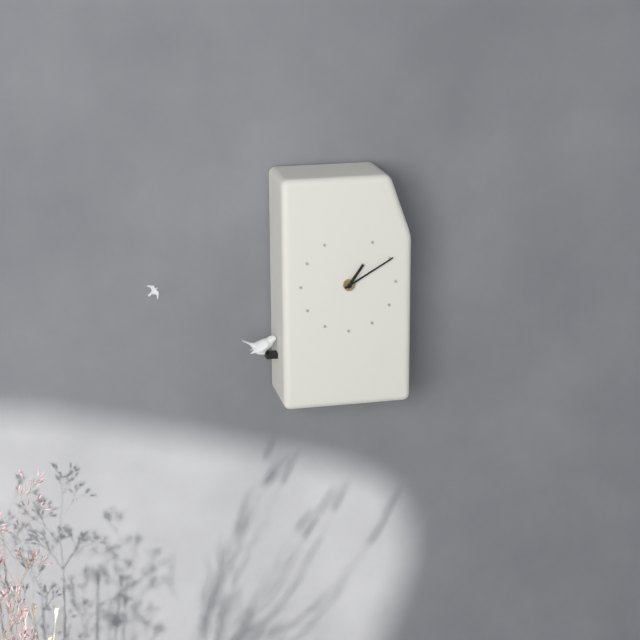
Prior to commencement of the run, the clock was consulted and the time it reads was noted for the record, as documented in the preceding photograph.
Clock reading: 1:10
